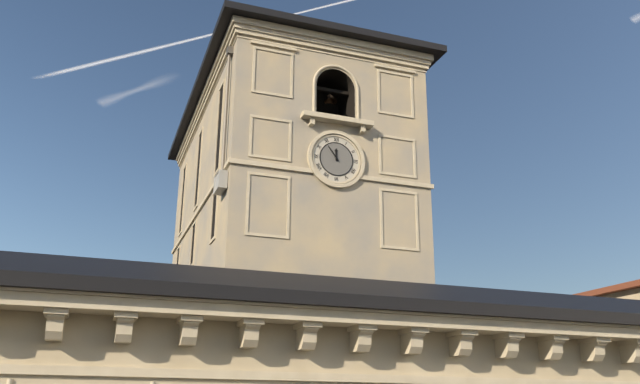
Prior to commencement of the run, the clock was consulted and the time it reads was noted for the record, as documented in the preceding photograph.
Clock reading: 11:54
